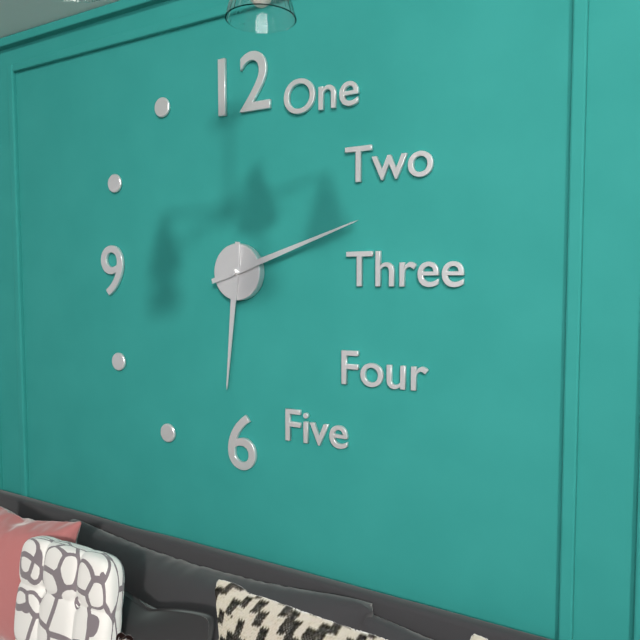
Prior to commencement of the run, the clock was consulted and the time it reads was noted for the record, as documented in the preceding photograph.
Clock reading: 6:12
